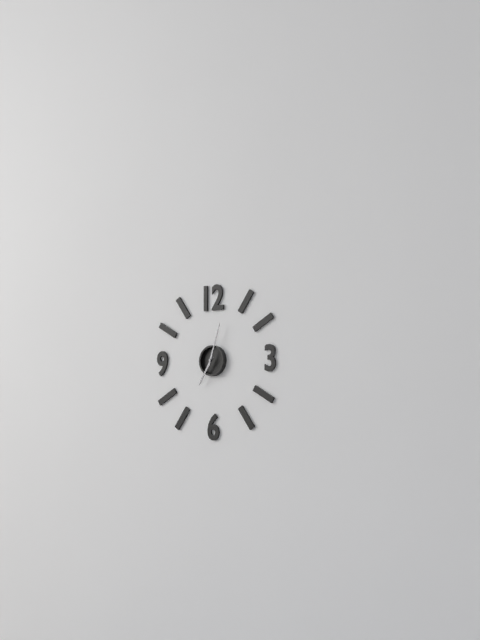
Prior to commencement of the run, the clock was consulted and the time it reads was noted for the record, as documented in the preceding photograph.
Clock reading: 7:03
